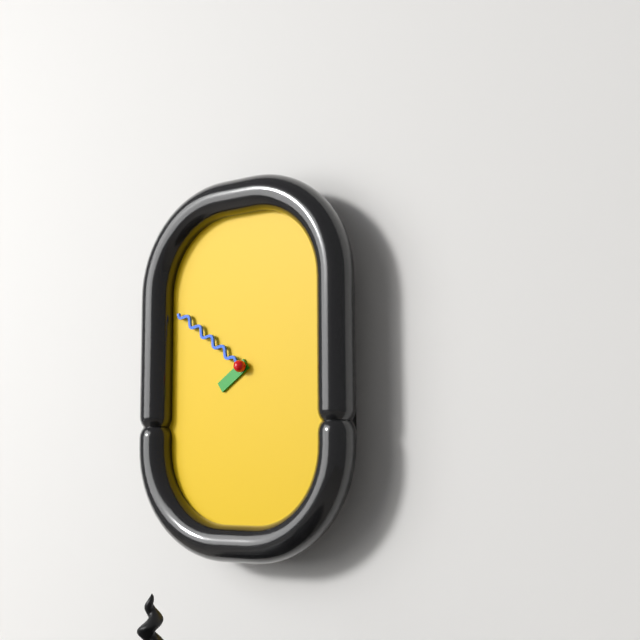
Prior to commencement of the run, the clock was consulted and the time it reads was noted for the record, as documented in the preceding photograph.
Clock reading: 7:51
